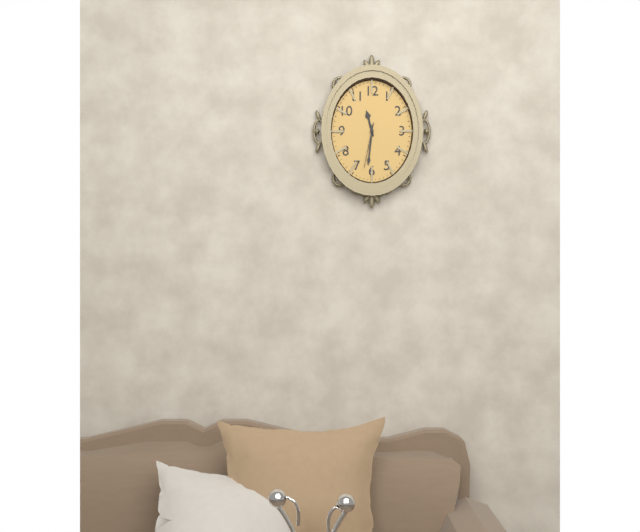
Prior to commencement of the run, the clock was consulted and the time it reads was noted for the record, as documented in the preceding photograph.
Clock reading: 11:31
